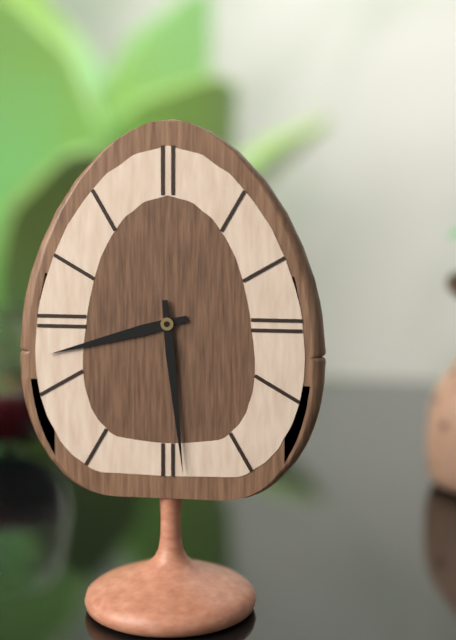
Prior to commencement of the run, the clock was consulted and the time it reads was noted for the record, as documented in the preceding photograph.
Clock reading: 8:29
